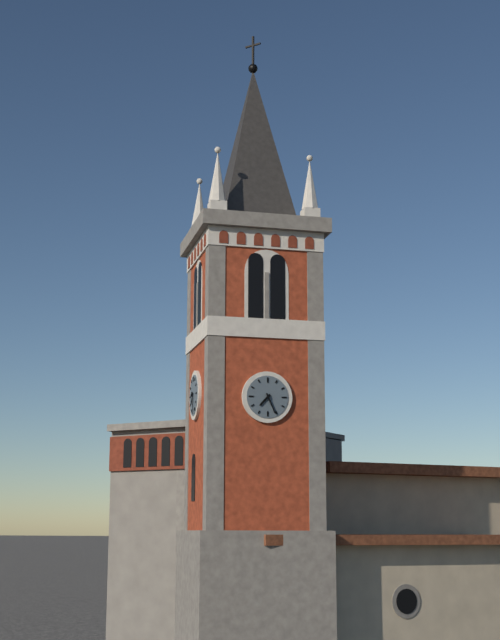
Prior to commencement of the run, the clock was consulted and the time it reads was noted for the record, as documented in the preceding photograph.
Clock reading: 7:26
